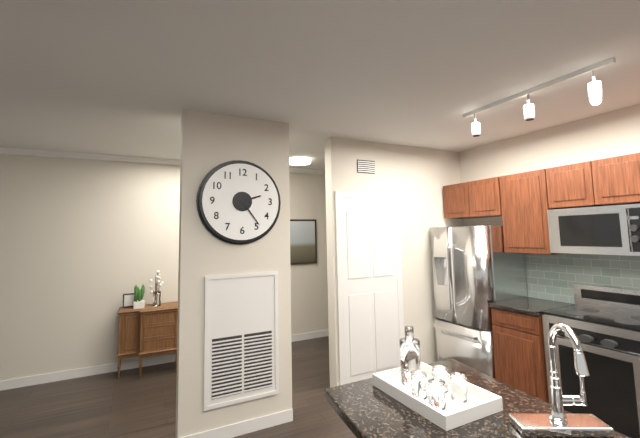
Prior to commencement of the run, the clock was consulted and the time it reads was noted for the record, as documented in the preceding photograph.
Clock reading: 2:24
